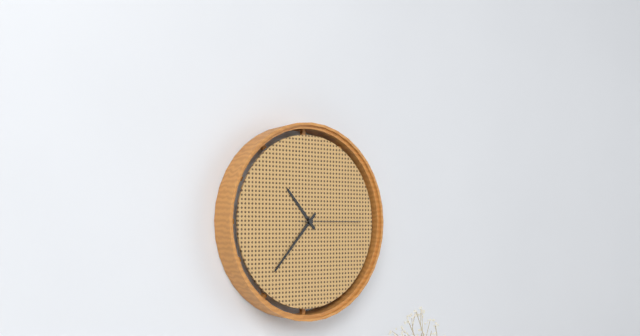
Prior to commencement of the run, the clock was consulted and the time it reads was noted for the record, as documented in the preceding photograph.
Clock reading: 10:37:15
